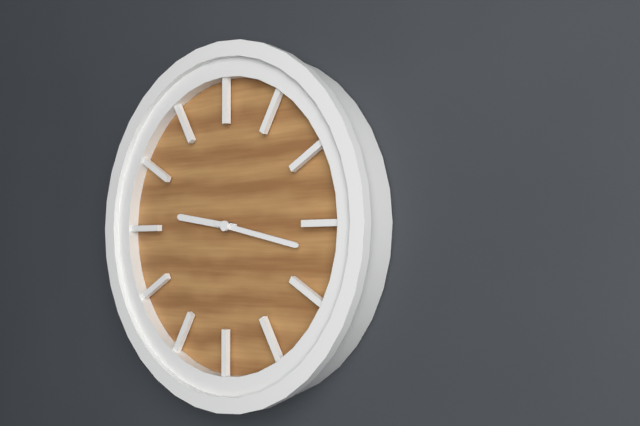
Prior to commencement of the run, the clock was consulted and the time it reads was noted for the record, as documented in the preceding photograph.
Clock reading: 9:17
